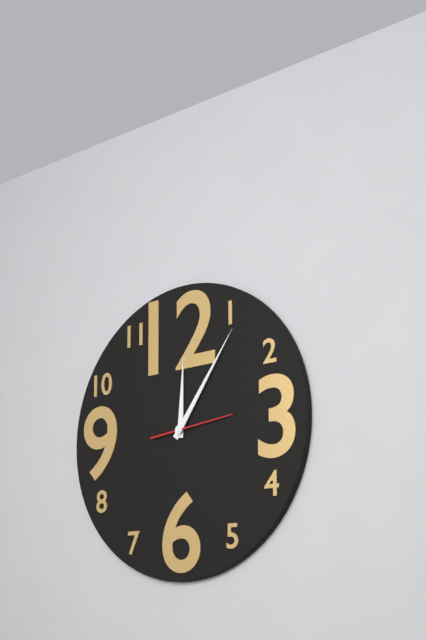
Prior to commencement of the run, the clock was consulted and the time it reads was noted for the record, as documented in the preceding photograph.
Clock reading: 12:06:14
